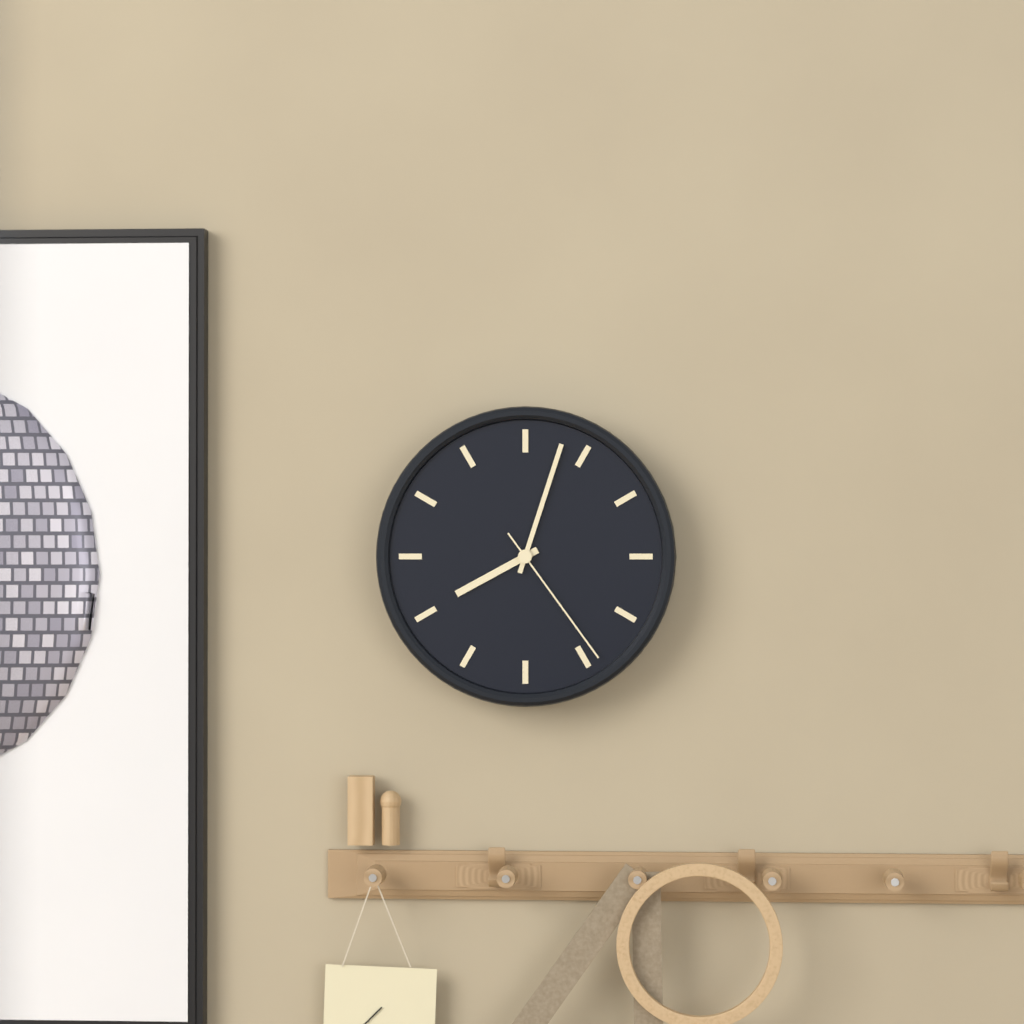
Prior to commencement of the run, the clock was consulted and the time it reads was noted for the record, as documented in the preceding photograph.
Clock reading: 8:03:24
